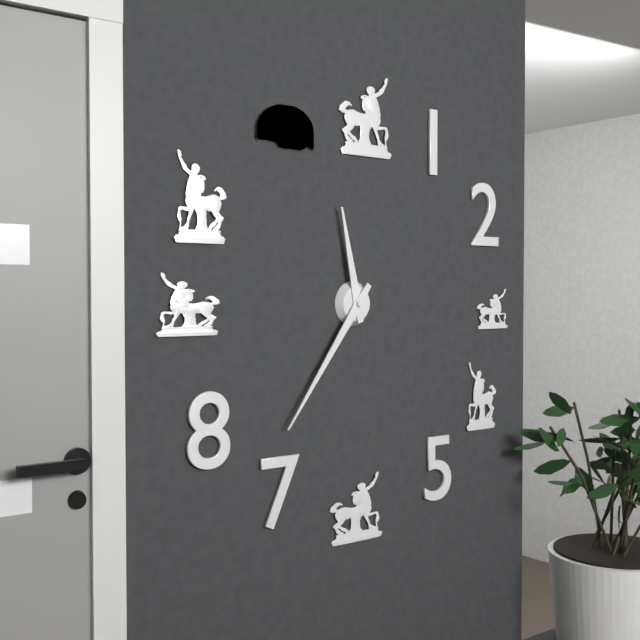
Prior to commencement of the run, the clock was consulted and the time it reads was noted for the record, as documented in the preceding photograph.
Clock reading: 11:36
